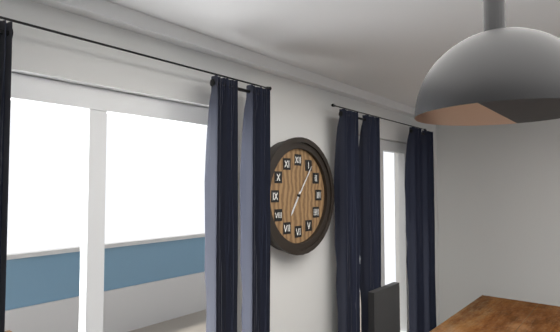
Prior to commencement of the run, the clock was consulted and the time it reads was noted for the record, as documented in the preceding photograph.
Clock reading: 7:06
